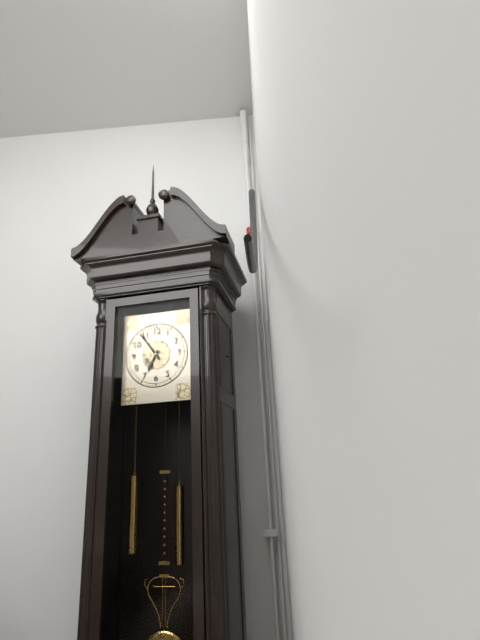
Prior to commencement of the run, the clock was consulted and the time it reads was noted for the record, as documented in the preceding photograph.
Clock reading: 6:54
